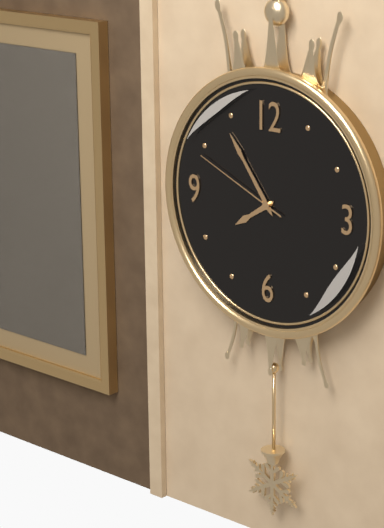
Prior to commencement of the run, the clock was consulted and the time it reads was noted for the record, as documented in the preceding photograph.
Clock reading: 7:54:49
